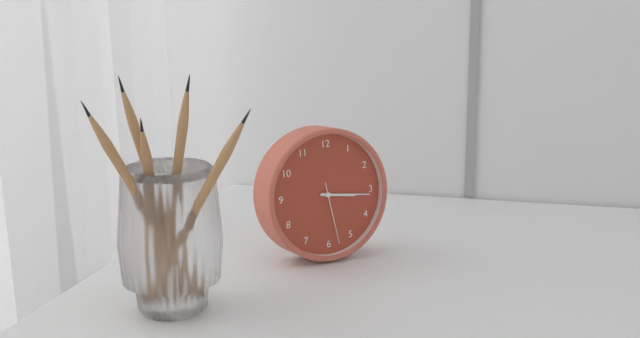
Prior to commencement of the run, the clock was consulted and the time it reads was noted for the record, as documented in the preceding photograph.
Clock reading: 3:16:28
